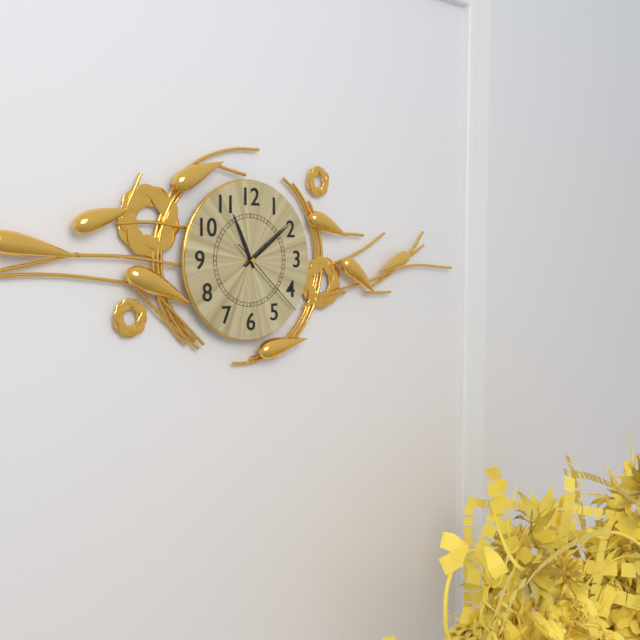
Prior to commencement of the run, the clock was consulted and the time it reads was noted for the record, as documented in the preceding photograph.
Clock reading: 11:09:22
